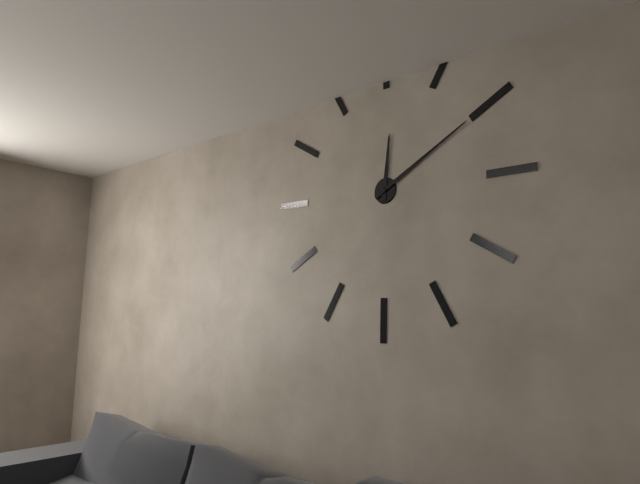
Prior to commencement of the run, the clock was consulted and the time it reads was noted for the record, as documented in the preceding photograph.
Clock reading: 12:10
